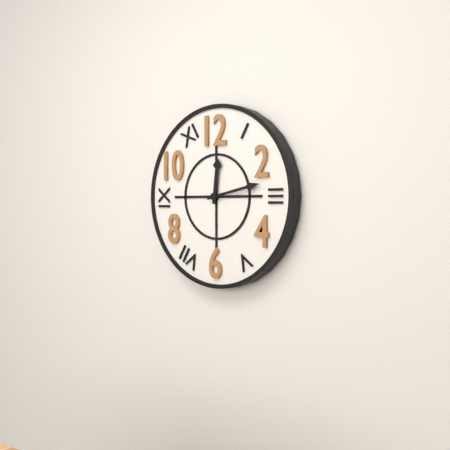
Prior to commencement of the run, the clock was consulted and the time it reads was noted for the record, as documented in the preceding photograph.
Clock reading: 12:13
